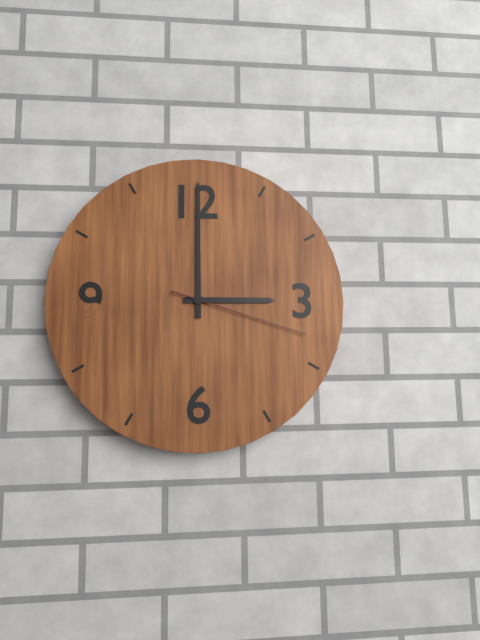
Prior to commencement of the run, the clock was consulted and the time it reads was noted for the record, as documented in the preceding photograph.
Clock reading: 3:00:18
